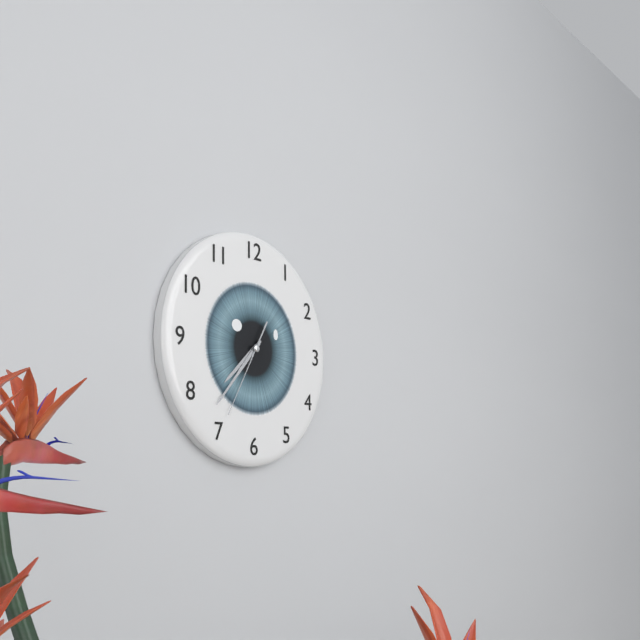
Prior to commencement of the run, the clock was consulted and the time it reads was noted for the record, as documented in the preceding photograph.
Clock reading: 7:37:35
